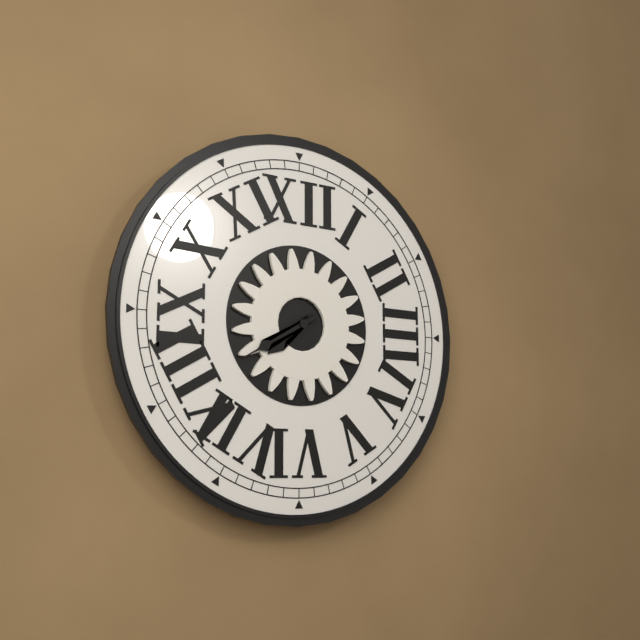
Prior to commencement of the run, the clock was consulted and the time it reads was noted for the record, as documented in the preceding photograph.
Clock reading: 7:40
